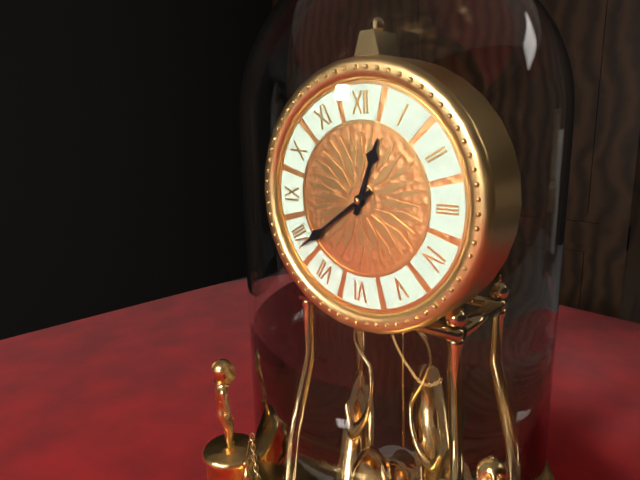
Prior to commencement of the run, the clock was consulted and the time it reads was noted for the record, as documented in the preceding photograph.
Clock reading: 12:39
